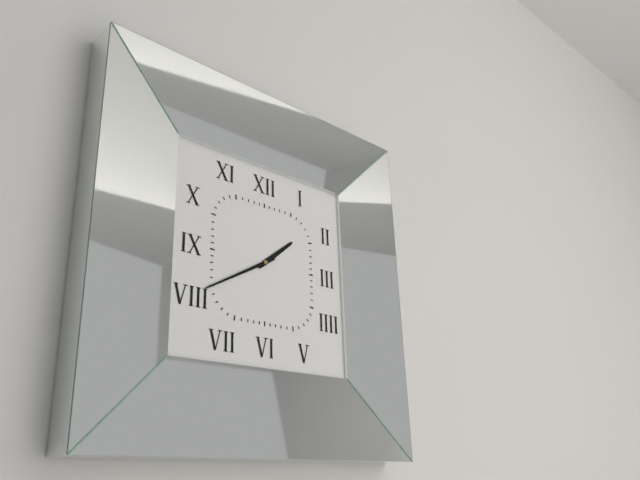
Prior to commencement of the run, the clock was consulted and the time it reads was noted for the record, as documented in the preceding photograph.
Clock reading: 1:40
